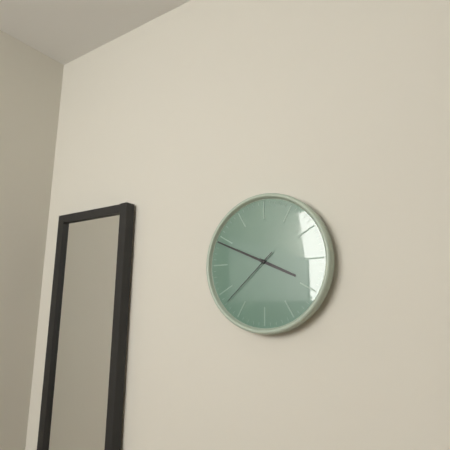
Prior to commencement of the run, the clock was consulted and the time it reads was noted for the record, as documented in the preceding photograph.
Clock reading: 3:49:38
